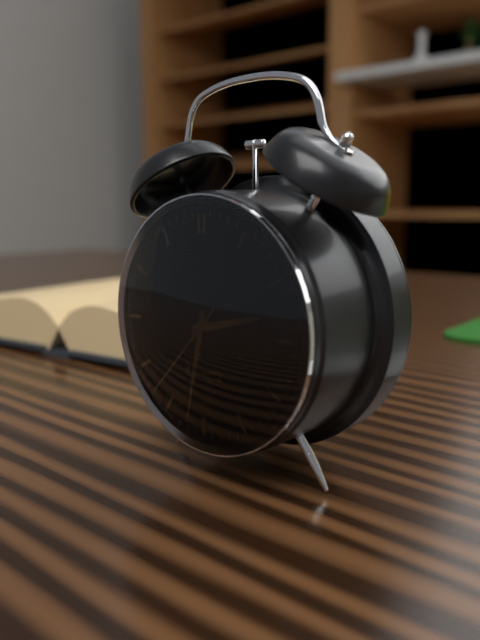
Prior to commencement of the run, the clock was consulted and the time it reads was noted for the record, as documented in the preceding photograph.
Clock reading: 2:32:37
